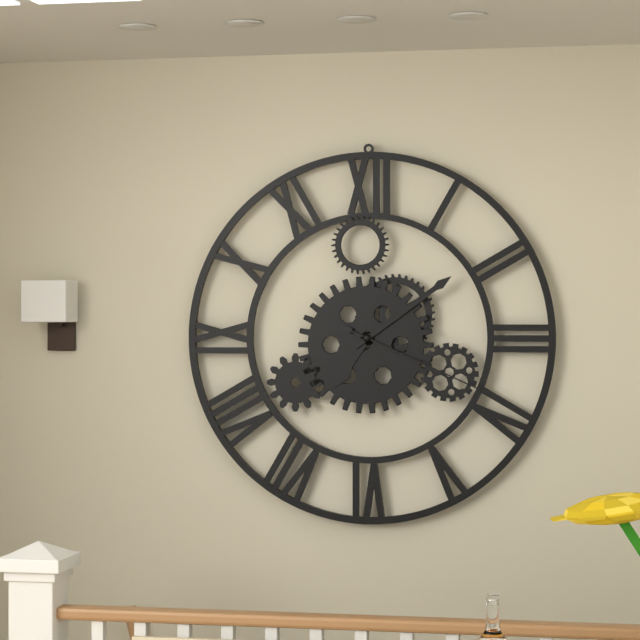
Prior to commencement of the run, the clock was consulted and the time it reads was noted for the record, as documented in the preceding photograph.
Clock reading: 7:09:19
